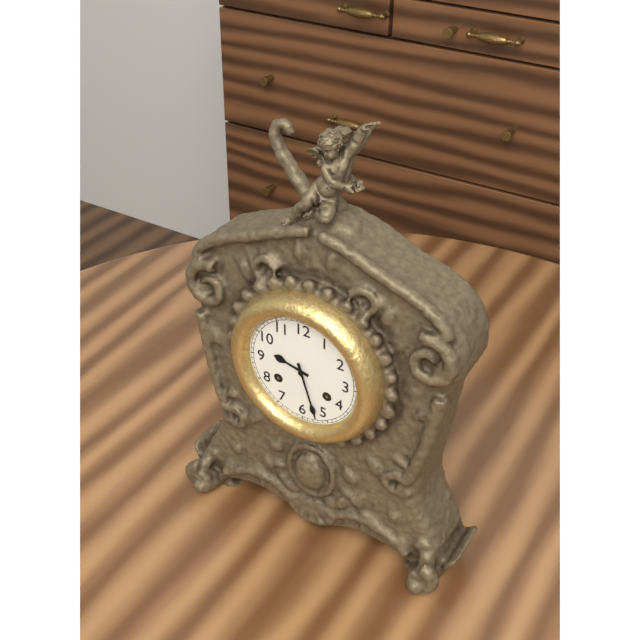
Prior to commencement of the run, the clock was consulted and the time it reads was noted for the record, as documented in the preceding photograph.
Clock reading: 9:27
